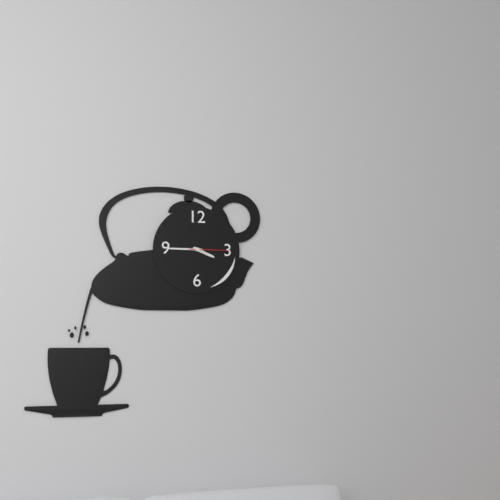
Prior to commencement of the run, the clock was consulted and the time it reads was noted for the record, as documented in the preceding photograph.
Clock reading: 3:45
